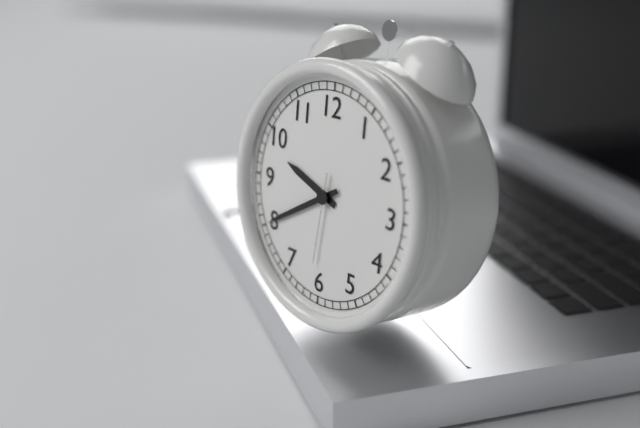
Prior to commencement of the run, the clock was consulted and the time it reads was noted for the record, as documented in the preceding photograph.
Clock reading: 9:40:31
